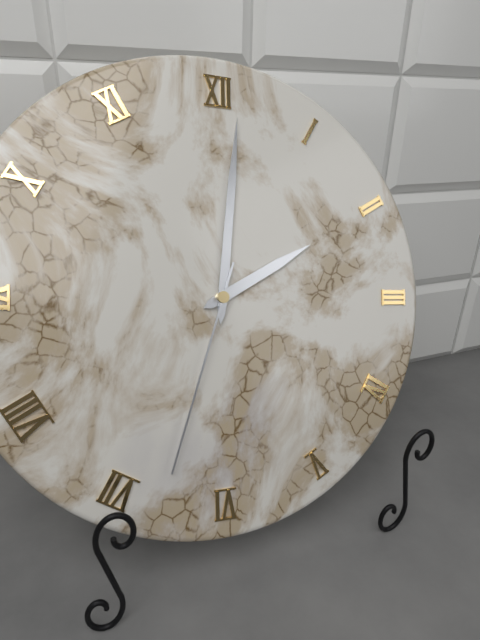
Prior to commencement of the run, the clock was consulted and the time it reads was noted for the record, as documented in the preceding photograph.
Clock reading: 2:01:33
